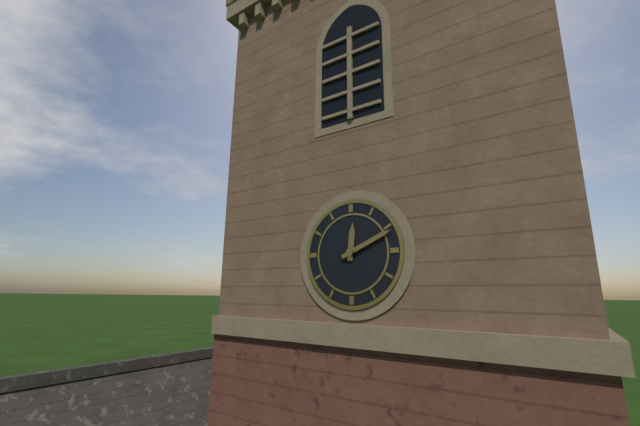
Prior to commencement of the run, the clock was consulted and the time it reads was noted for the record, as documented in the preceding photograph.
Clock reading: 12:11
